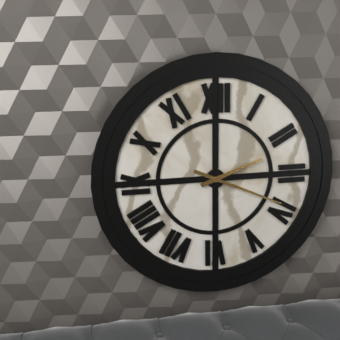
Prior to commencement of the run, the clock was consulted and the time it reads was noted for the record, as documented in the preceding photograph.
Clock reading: 2:19
